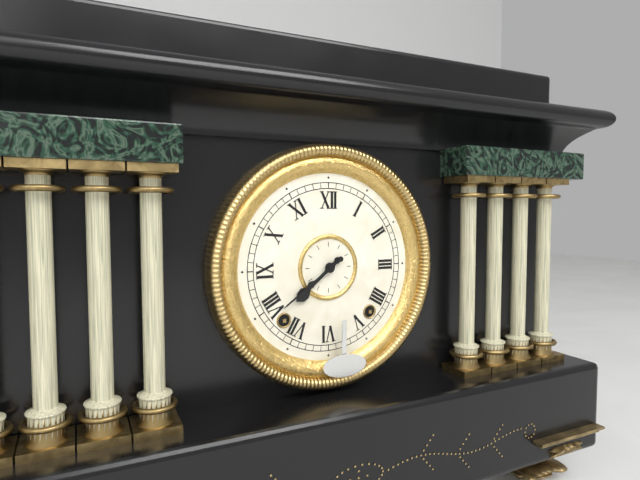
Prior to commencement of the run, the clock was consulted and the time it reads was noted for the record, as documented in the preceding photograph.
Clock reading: 7:39
